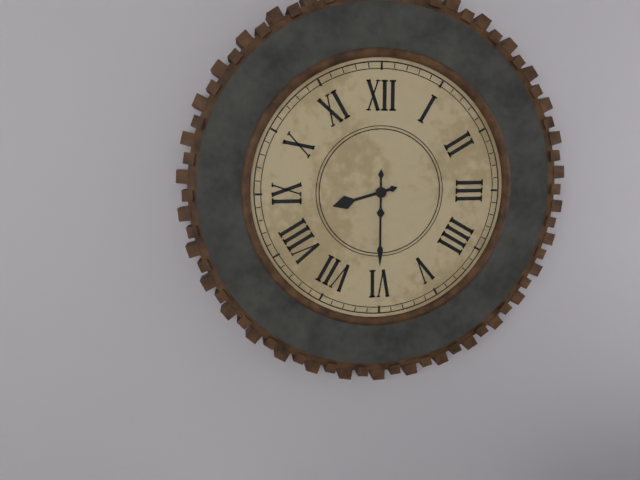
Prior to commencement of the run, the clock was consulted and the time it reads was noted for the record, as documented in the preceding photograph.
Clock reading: 8:30
